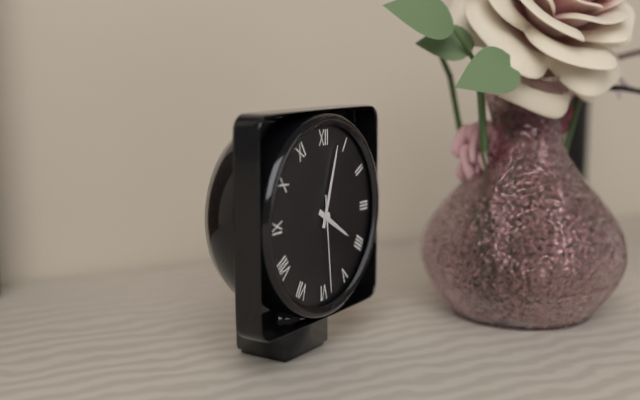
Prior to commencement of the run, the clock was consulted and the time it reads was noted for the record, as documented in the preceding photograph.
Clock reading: 4:03:29
